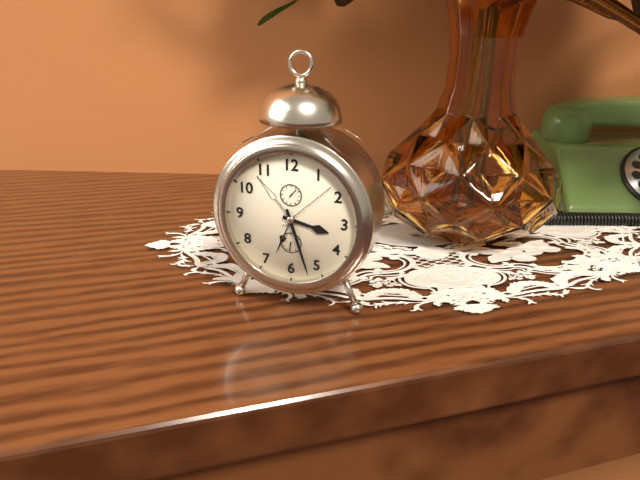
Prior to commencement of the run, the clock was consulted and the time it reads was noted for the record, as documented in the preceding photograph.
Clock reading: 3:27
